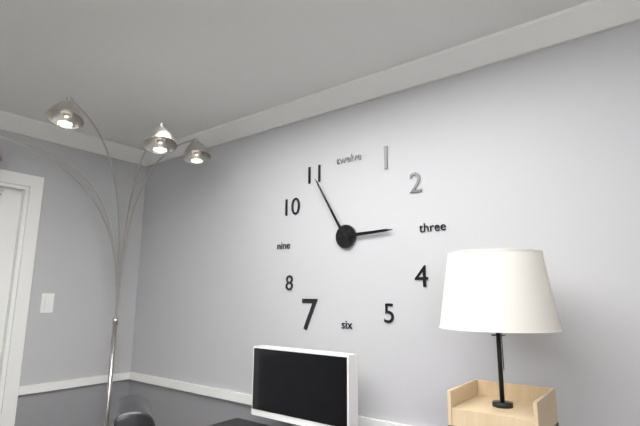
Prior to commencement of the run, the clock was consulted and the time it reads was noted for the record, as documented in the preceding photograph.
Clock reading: 2:55
